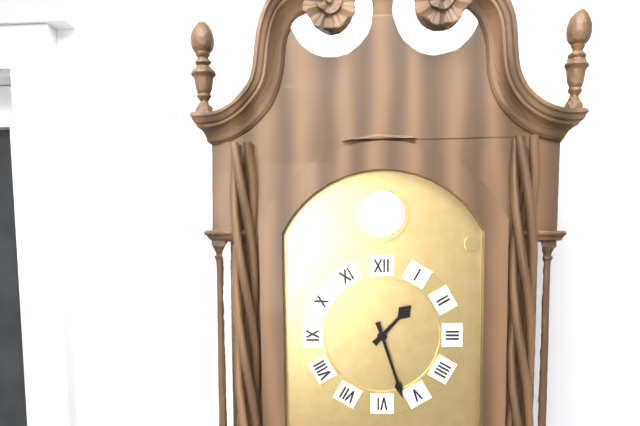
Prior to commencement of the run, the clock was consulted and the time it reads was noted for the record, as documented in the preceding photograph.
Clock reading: 1:27
